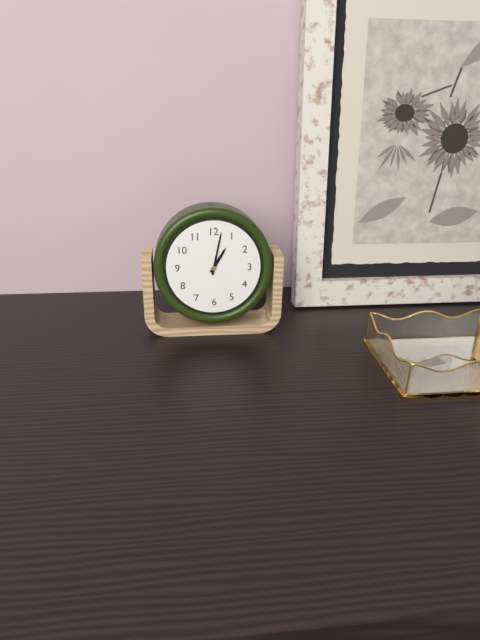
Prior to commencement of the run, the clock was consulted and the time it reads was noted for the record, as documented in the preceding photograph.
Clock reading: 1:02
